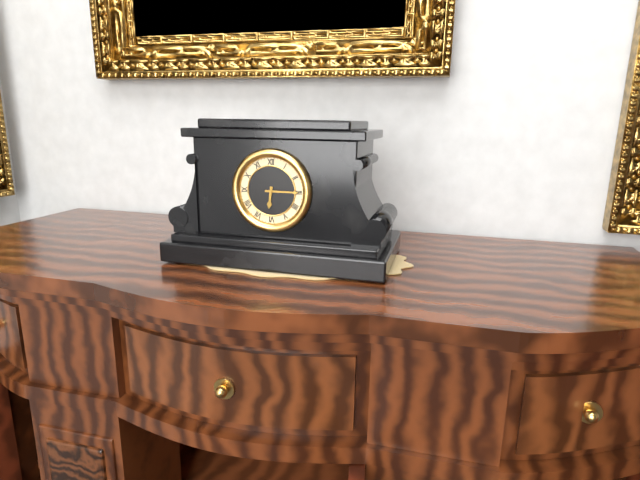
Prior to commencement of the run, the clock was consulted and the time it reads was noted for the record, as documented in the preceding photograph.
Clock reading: 6:15
